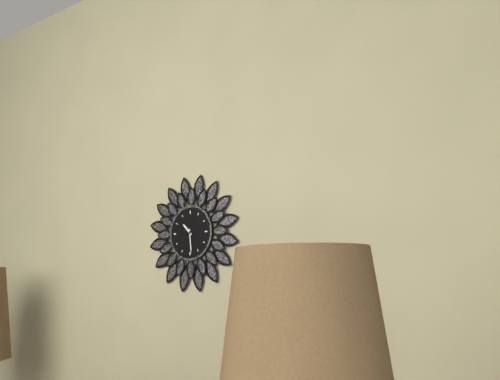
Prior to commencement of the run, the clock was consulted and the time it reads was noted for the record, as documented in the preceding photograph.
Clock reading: 10:29
